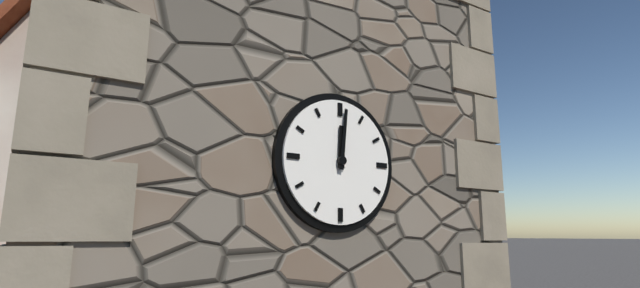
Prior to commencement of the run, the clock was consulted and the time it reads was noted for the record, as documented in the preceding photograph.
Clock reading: 12:01
